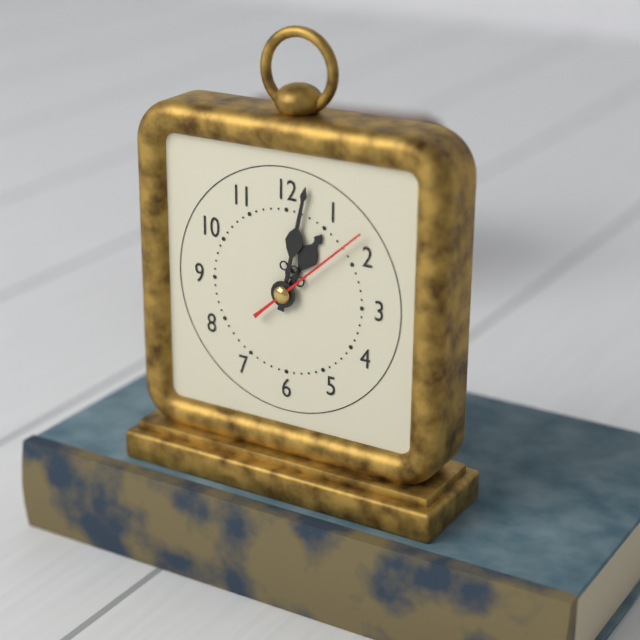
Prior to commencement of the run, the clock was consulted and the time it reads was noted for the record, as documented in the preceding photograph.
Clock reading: 1:02:08
